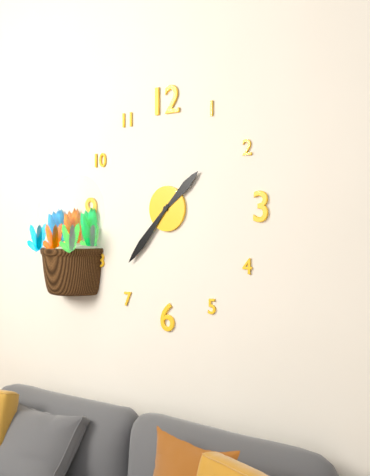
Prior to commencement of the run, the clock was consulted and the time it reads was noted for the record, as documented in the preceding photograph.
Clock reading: 1:37
